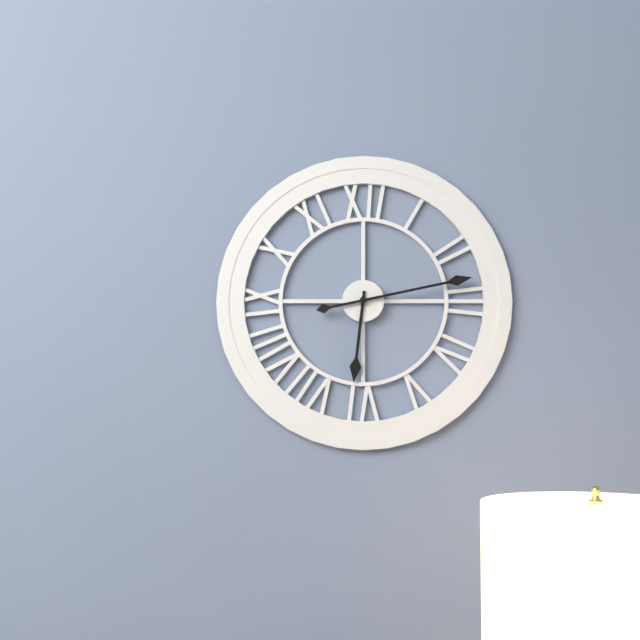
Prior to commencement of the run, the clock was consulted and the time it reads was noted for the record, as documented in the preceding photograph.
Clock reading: 6:13
